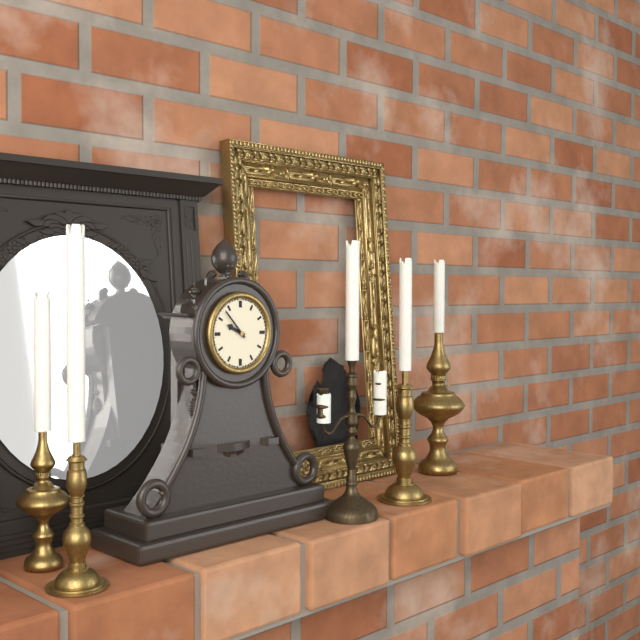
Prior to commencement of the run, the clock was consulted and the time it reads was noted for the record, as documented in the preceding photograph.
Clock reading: 9:53
